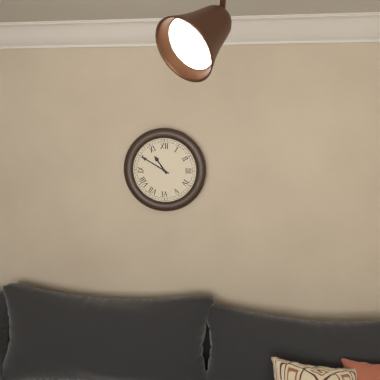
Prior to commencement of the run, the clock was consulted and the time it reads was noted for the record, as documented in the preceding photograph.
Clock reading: 10:50
